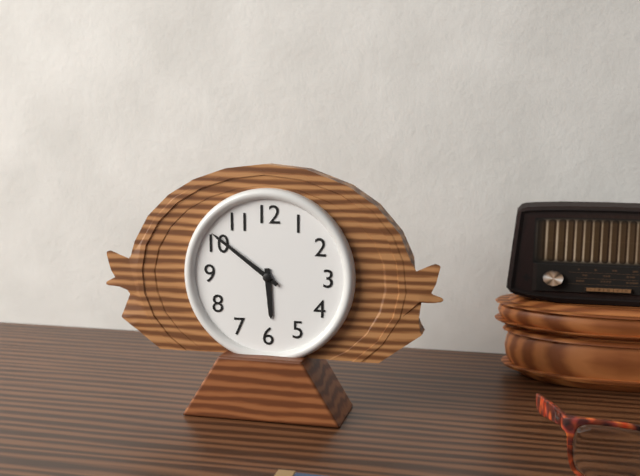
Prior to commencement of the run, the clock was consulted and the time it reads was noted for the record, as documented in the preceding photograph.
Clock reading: 5:51
